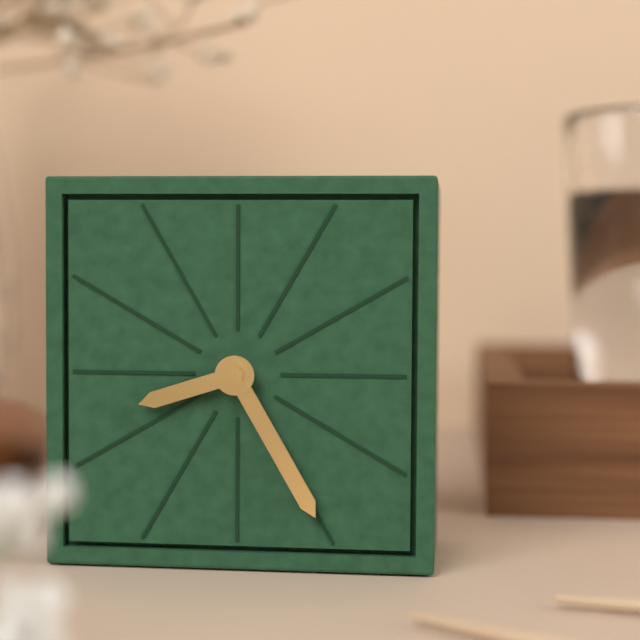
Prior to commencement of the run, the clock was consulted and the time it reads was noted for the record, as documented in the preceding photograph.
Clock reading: 8:25
